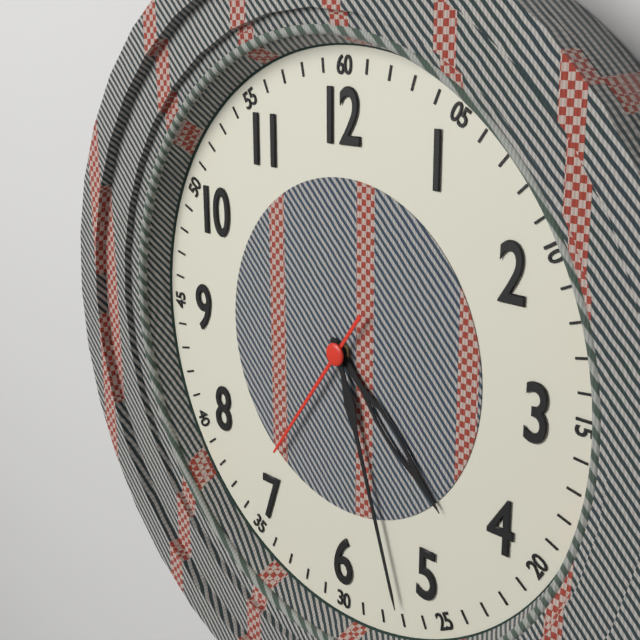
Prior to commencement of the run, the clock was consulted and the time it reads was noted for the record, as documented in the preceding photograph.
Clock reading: 4:27:36
